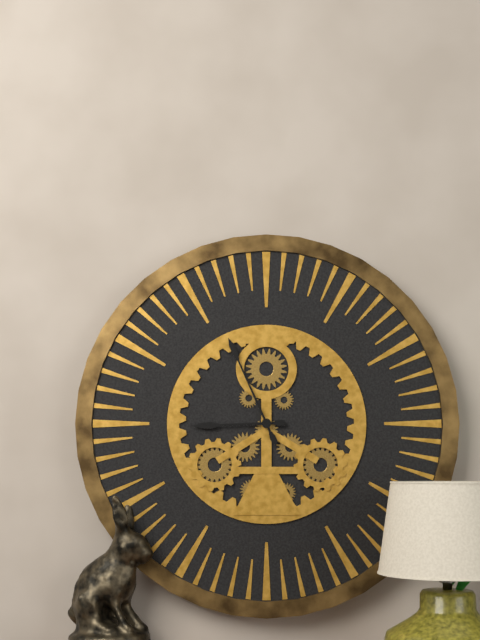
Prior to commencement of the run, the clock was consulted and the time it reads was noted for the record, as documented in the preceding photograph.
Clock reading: 8:56
